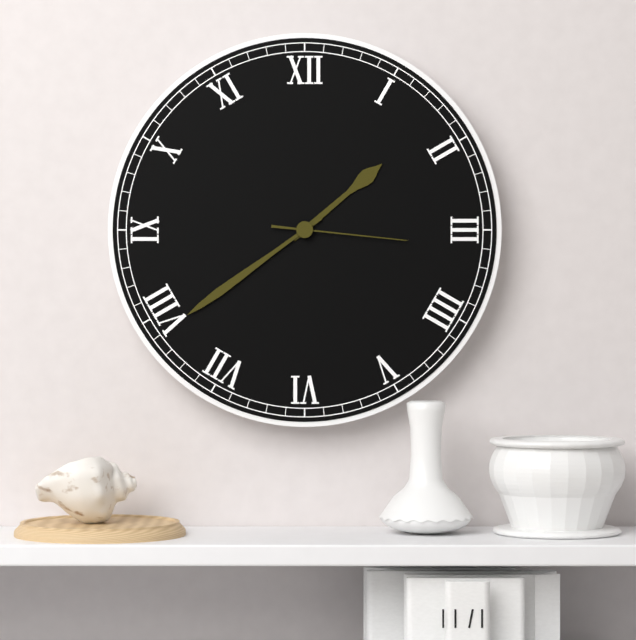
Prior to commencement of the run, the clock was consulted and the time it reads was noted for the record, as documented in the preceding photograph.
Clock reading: 1:39:16
